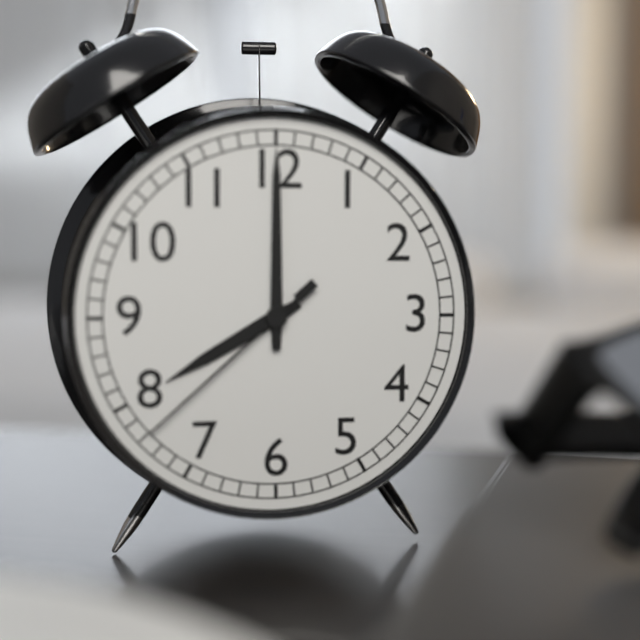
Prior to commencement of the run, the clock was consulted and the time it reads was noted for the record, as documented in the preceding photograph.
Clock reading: 8:00:38
